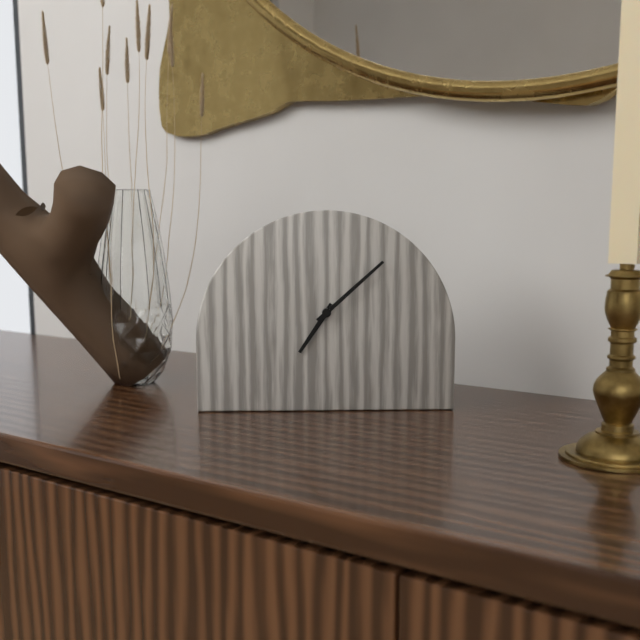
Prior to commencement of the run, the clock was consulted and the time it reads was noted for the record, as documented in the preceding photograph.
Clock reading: 7:08
